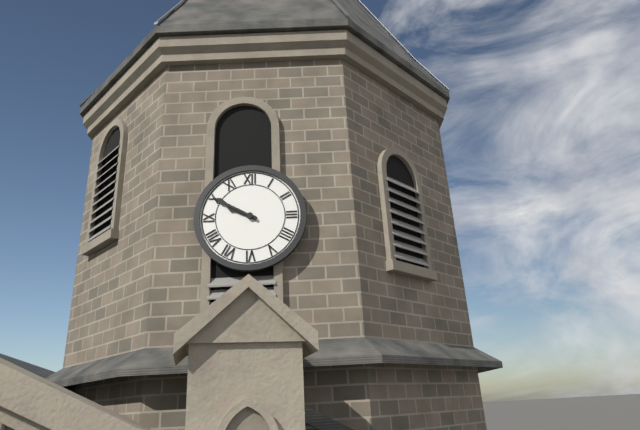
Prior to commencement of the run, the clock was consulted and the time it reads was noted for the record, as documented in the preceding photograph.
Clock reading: 9:50
